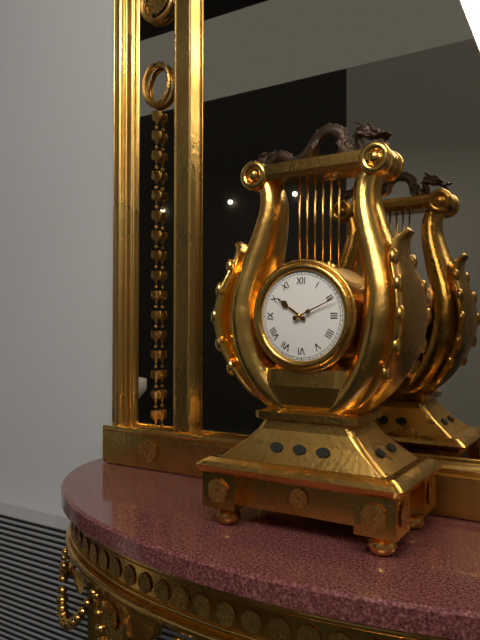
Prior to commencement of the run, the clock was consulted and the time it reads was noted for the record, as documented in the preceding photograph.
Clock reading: 10:11
